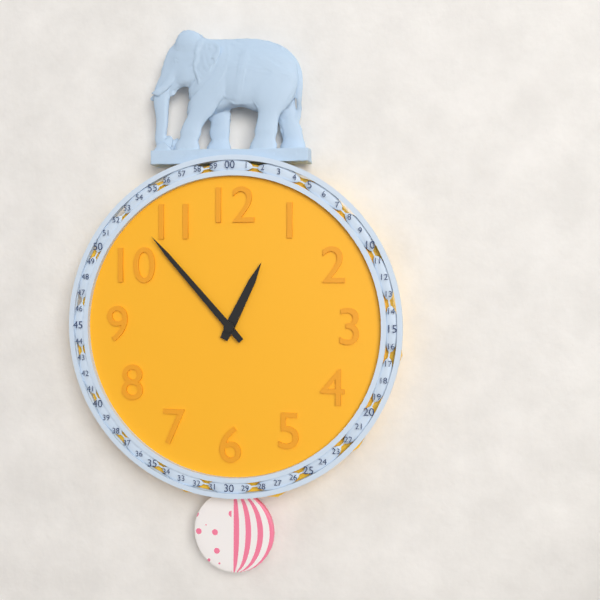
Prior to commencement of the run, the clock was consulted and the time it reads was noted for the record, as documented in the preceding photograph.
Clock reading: 12:53
